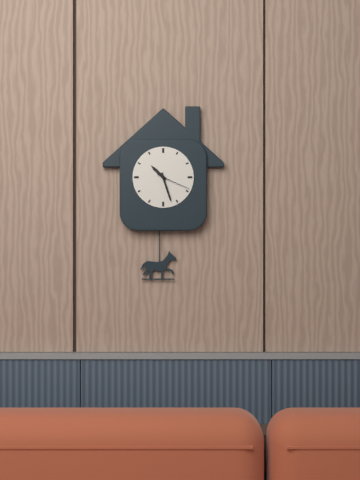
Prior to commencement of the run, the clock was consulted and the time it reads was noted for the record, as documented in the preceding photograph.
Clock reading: 10:27
